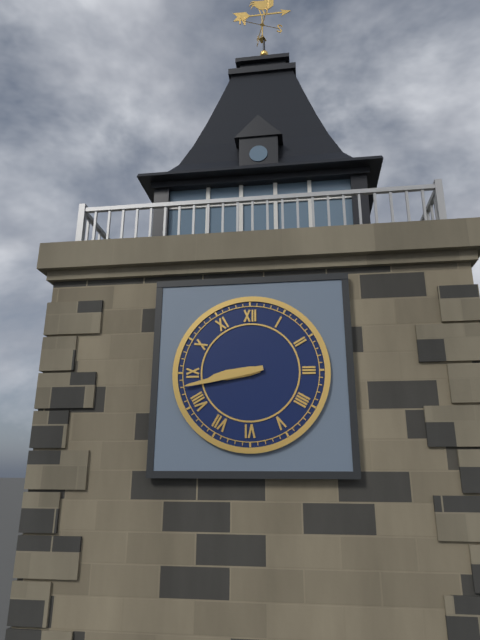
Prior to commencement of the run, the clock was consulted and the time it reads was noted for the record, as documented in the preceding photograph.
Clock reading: 8:43
